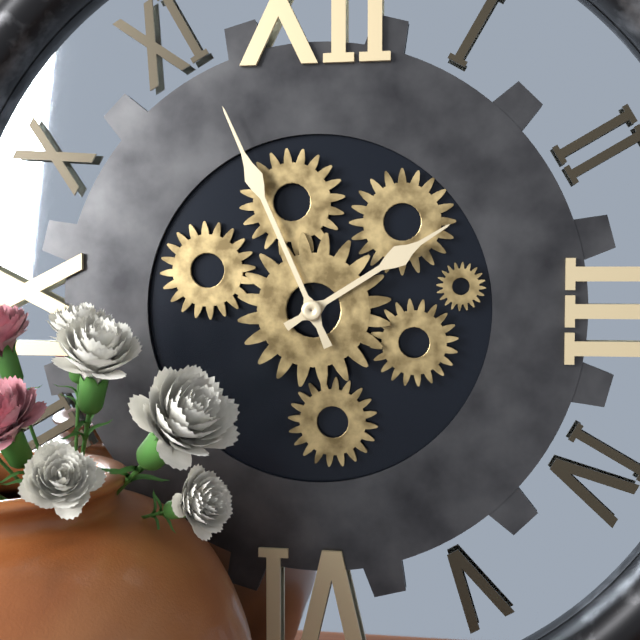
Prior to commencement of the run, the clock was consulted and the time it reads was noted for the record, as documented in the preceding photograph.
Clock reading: 1:56
